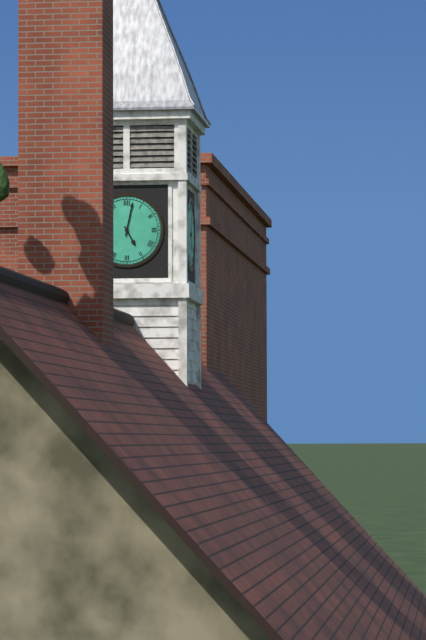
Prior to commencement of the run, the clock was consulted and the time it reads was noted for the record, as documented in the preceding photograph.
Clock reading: 5:02
